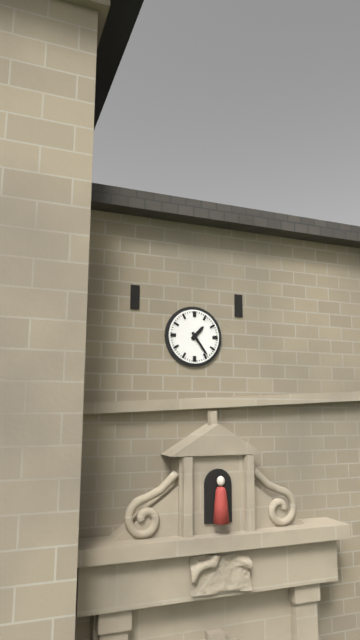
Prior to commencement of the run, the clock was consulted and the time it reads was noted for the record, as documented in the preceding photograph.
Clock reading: 1:24
